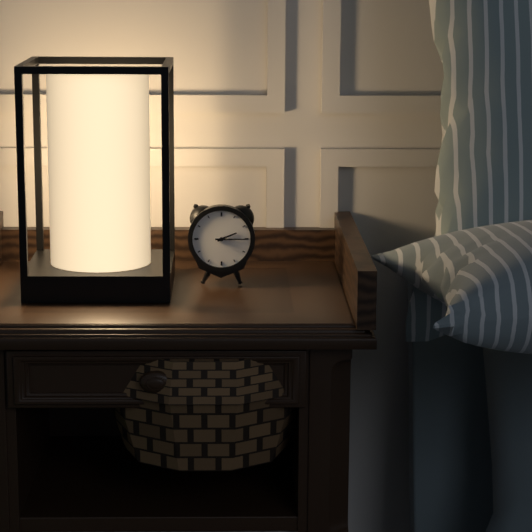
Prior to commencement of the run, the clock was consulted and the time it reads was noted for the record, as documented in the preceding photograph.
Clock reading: 2:15
